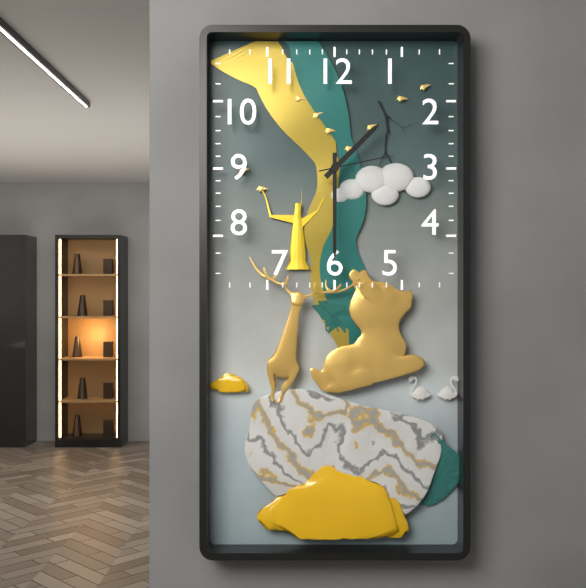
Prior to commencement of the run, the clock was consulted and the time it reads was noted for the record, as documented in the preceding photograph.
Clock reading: 1:30:13
